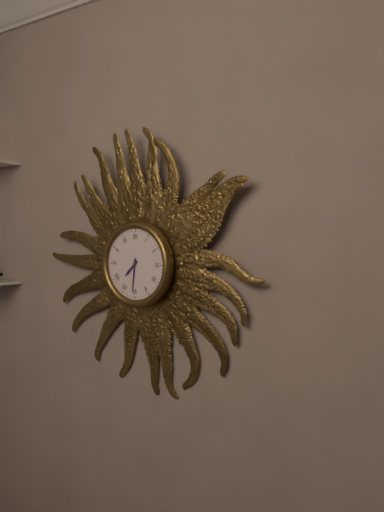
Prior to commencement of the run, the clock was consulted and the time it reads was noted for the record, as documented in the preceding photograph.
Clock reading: 7:31
